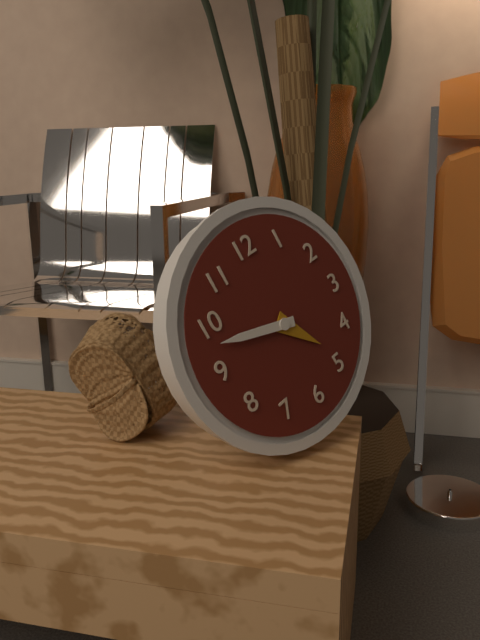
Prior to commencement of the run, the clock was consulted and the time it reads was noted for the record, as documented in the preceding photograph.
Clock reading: 4:48
